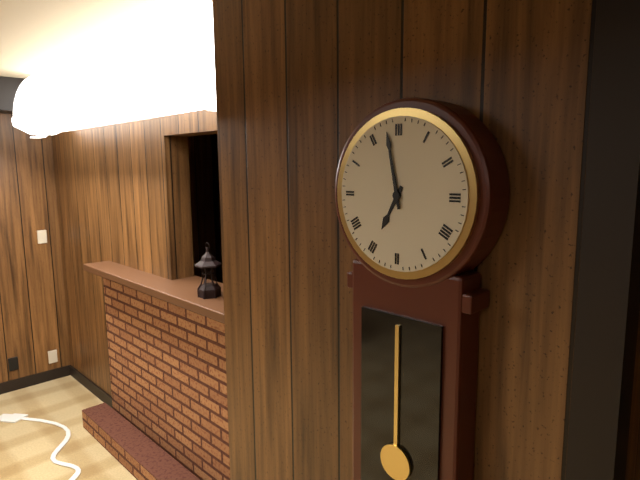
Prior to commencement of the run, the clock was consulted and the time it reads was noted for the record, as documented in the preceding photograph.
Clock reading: 6:58
